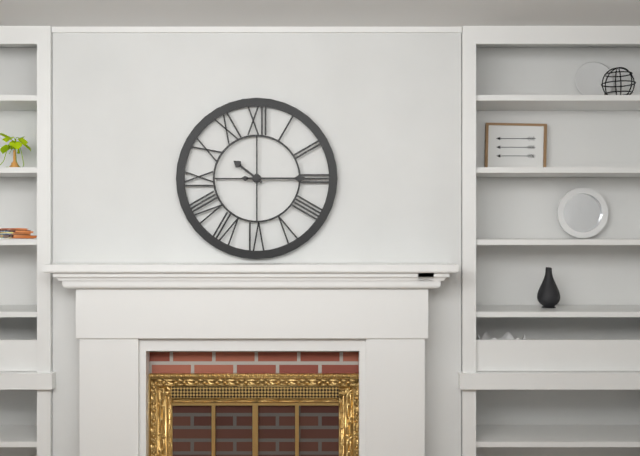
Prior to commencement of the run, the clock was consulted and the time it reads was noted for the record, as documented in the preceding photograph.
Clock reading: 10:15
